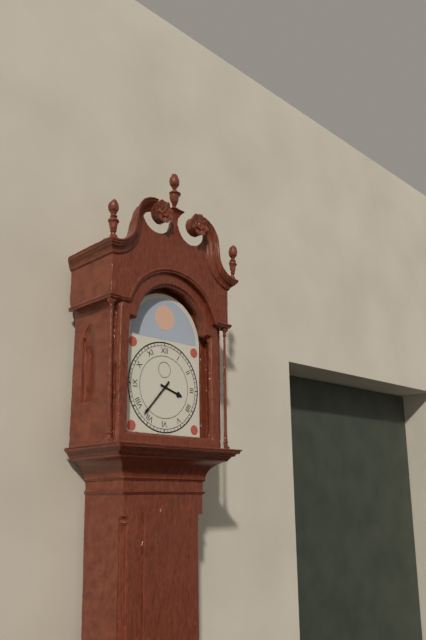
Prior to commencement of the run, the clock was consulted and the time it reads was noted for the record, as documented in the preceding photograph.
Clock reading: 3:37
